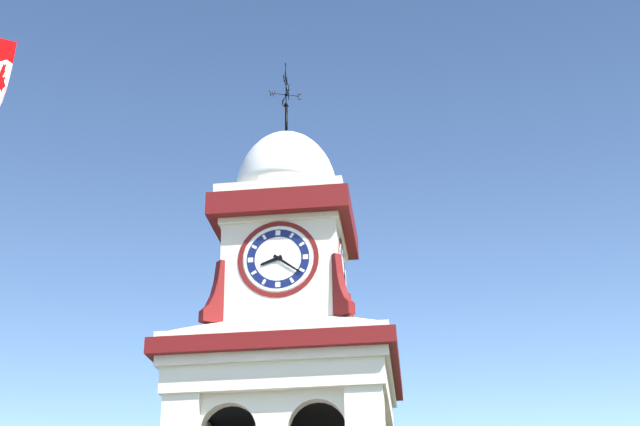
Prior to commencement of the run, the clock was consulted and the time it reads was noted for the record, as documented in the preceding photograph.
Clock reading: 8:21
